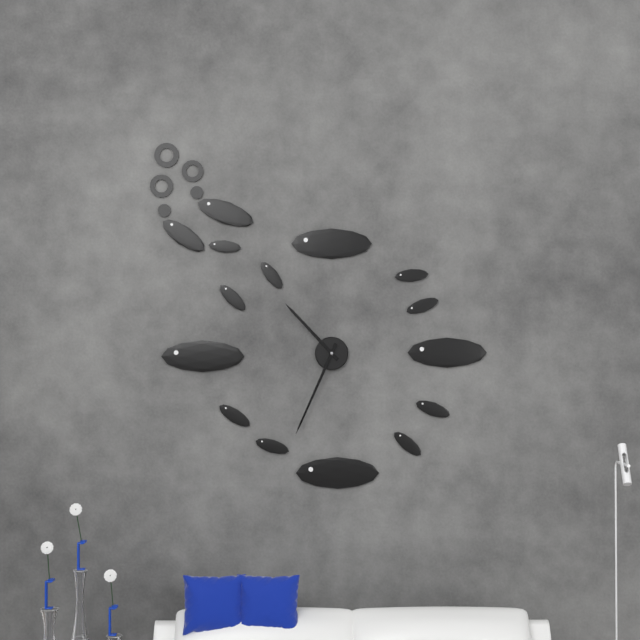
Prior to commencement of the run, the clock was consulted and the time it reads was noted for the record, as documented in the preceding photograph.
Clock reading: 10:34
